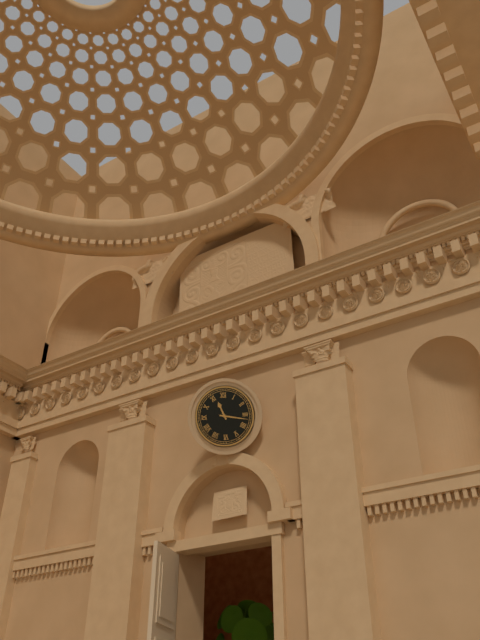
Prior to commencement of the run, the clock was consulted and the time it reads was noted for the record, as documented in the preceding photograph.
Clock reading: 11:17
